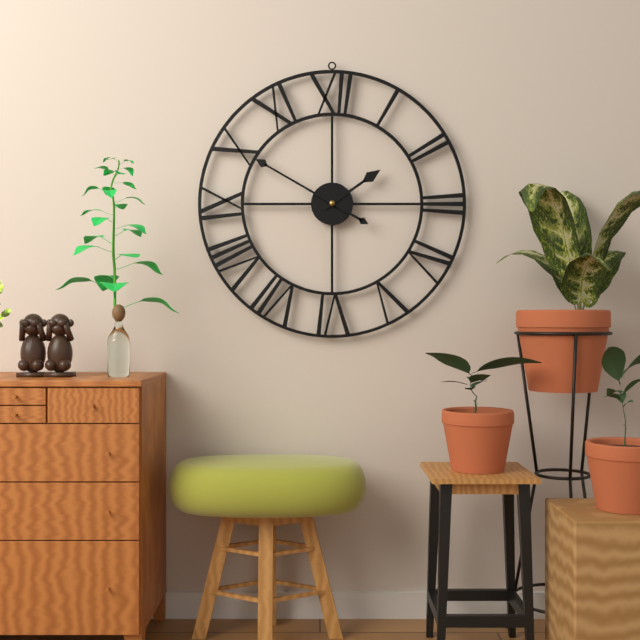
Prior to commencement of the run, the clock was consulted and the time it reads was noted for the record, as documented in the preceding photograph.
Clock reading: 1:50
